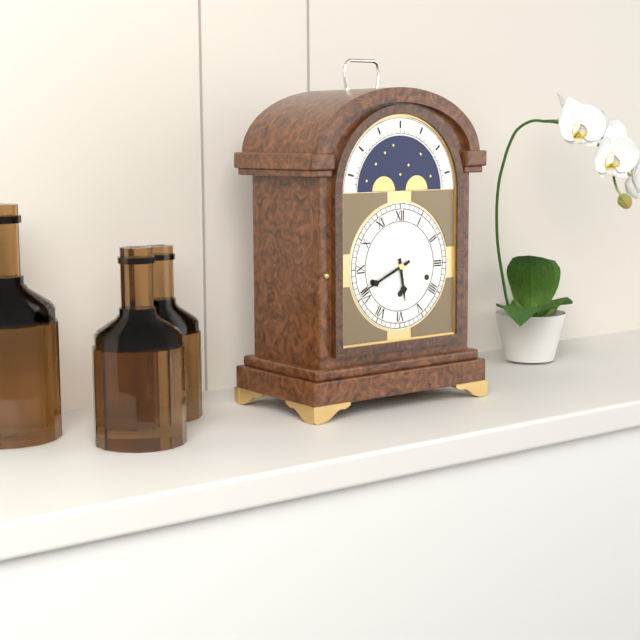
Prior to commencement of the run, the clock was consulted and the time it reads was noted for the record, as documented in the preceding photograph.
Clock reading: 5:41
